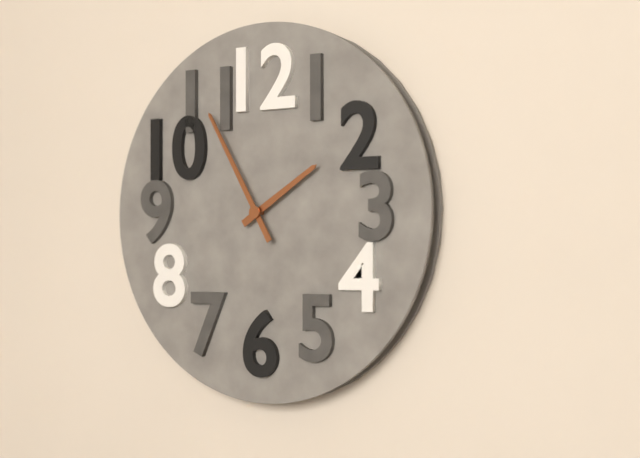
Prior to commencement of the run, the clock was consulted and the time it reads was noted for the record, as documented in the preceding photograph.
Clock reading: 1:55
